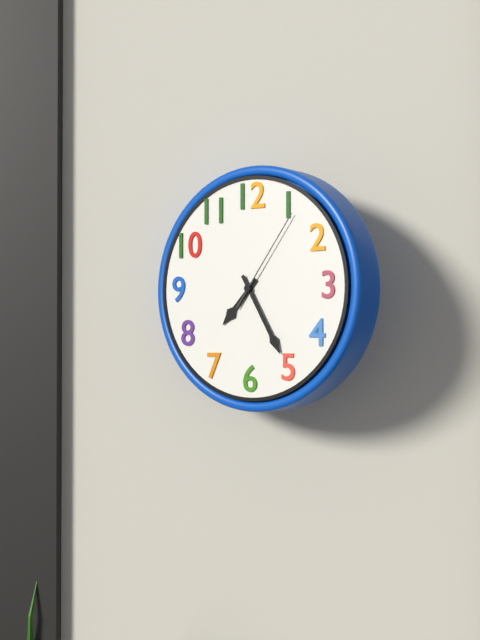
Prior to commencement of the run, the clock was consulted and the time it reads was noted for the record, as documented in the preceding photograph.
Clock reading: 7:25:06
